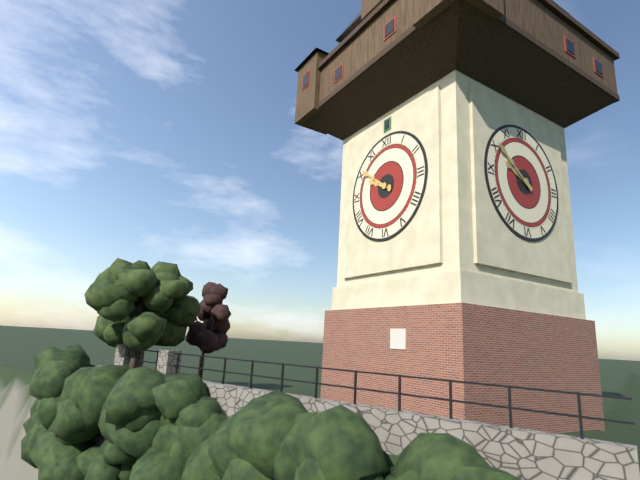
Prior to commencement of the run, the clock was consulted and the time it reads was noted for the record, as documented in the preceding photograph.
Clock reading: 9:51
